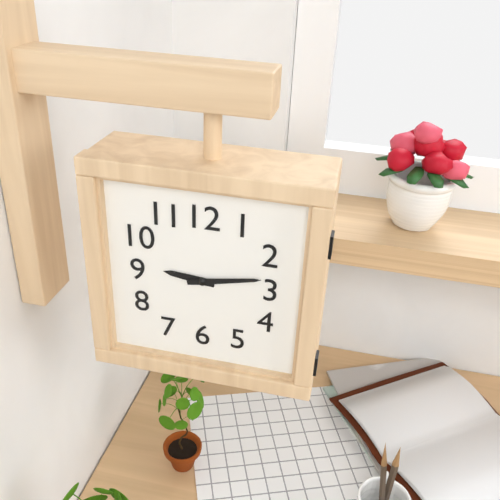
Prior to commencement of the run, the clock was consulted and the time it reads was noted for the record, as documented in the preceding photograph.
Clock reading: 9:13
